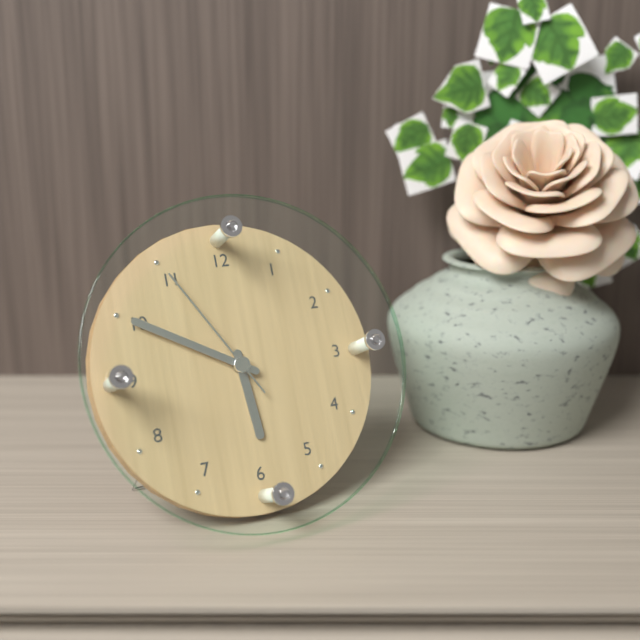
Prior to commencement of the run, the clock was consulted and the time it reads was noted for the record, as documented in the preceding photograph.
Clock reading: 5:50:55
